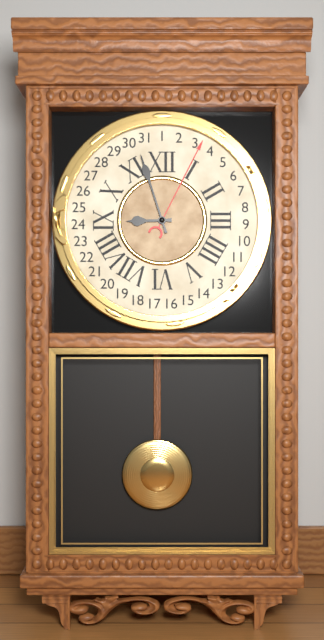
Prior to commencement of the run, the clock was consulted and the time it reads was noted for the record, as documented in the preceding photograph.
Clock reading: 8:57
